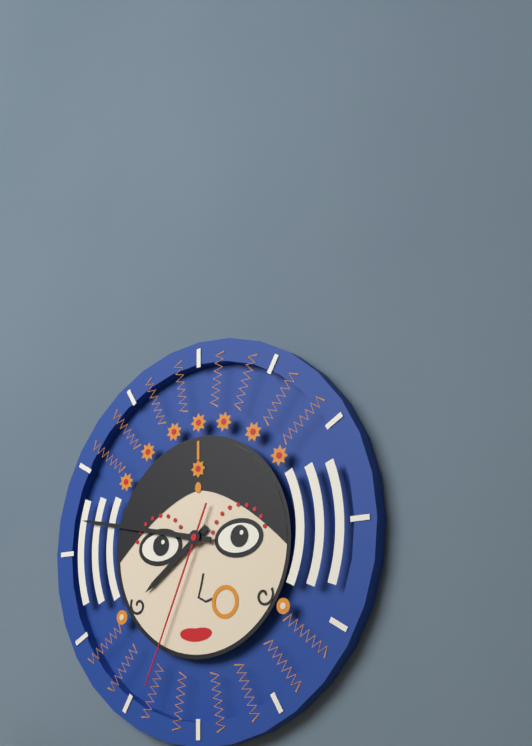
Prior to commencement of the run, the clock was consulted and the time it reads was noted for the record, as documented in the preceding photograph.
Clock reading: 7:47:34
